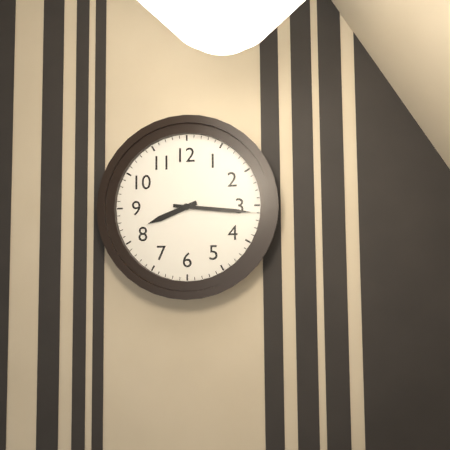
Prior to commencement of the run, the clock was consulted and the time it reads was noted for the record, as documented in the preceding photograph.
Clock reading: 8:16
